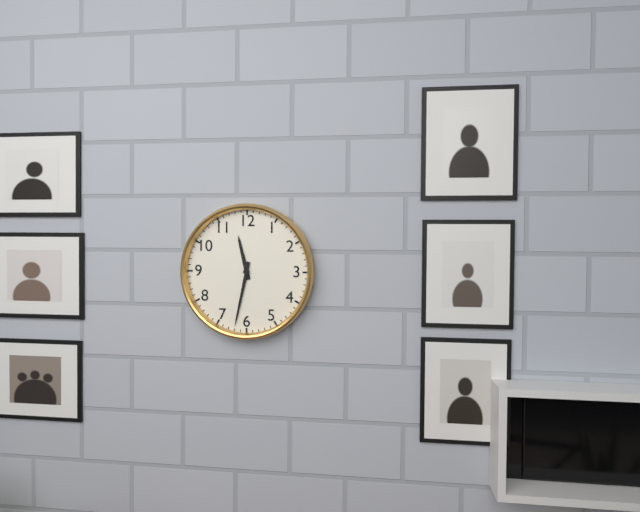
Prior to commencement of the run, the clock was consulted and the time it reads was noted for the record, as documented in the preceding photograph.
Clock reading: 11:32
